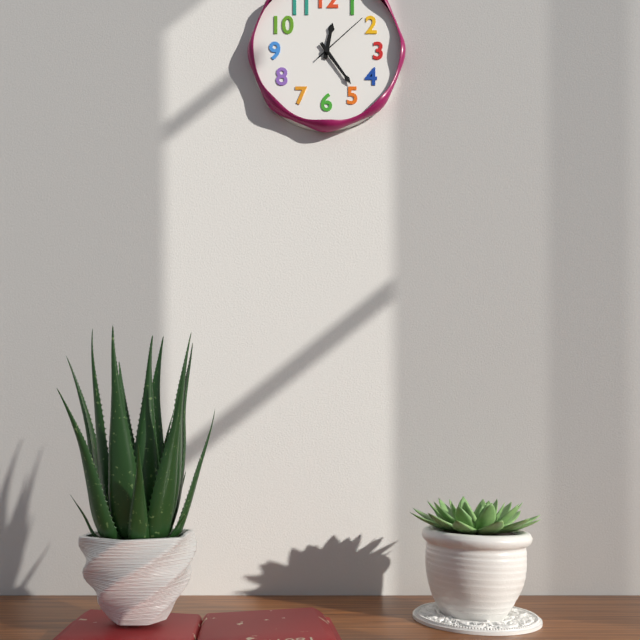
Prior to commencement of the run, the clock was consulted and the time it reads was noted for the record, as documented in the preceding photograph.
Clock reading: 12:24:08
